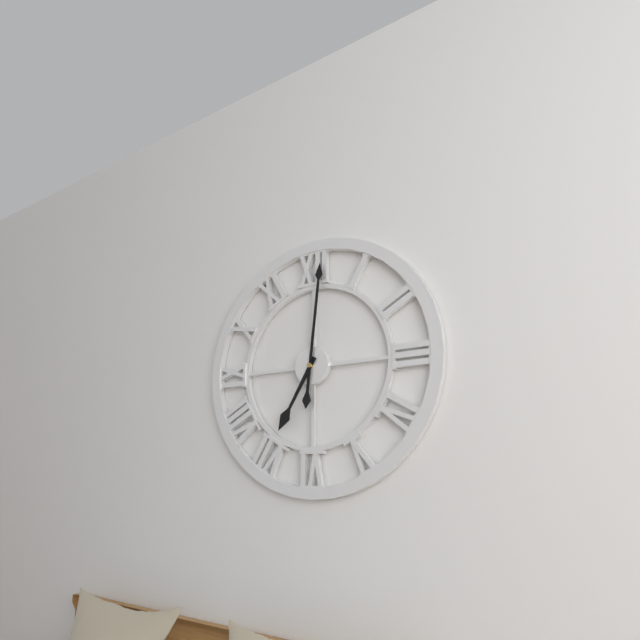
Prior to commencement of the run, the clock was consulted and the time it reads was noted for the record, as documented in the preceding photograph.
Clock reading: 7:01
